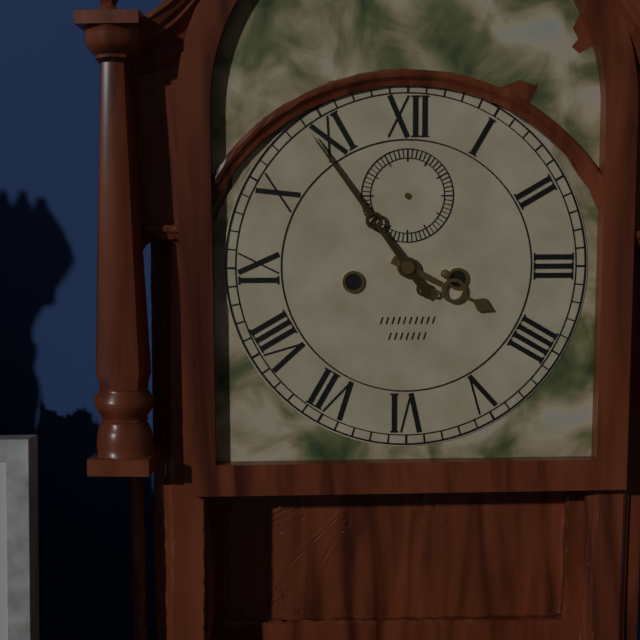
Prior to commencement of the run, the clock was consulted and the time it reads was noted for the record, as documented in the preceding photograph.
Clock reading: 3:54
